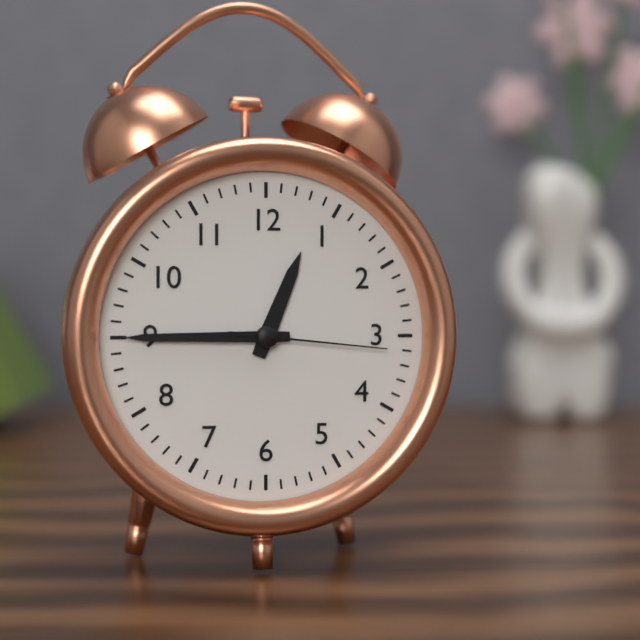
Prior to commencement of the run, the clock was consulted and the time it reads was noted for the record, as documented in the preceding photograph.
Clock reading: 12:45:16
